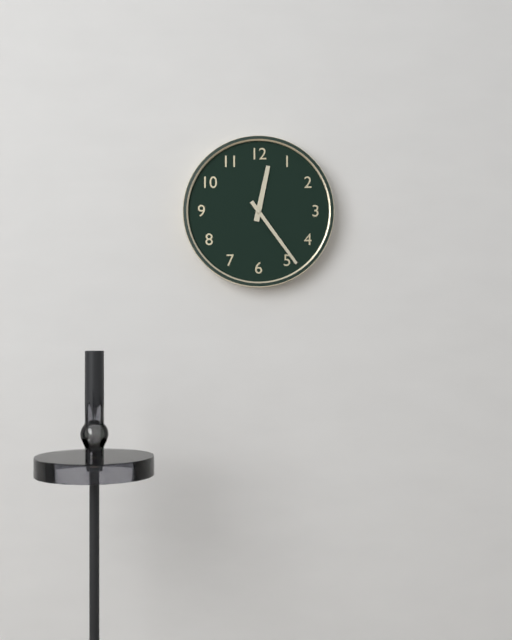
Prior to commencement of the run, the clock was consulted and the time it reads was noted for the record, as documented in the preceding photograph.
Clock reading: 12:24
